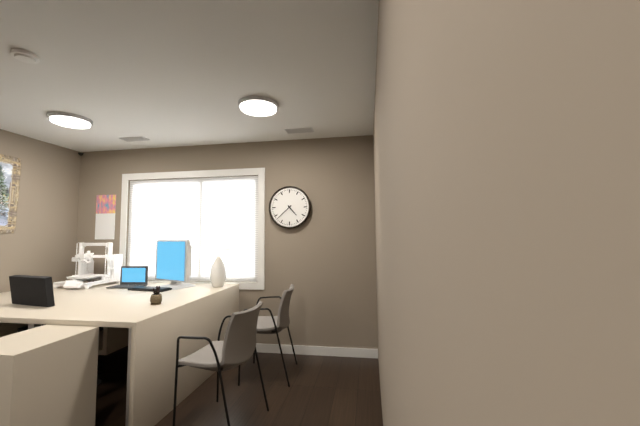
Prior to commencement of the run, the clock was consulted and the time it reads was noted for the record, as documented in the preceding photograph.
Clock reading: 4:38
